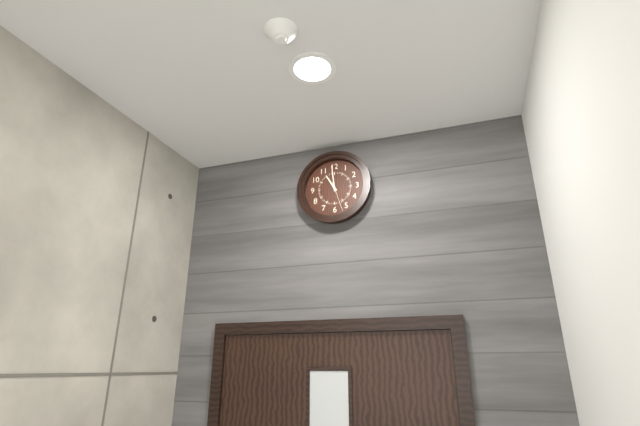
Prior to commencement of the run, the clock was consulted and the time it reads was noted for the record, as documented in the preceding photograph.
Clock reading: 10:59
